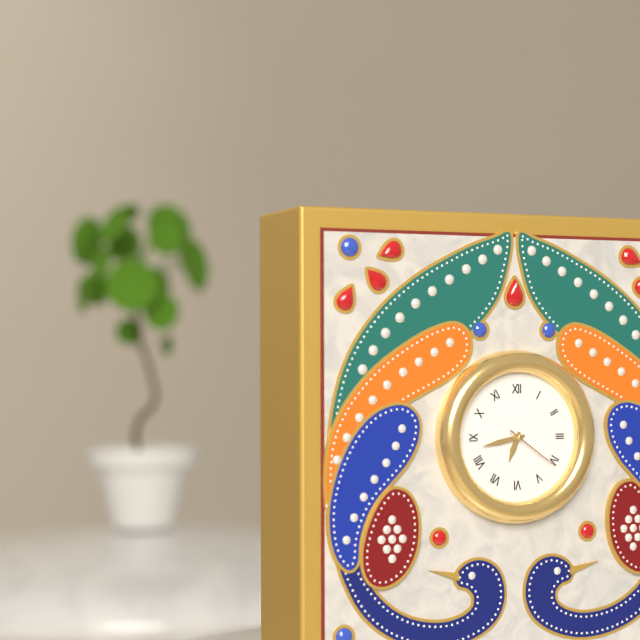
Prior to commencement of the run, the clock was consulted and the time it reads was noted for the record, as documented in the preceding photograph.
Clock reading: 6:43:21
